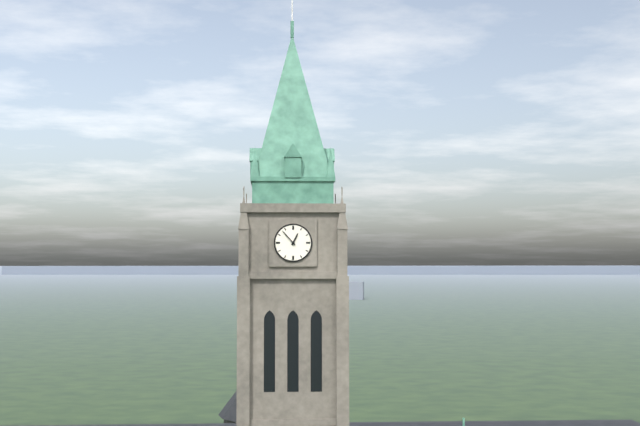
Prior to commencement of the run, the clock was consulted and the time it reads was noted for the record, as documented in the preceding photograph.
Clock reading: 12:53
